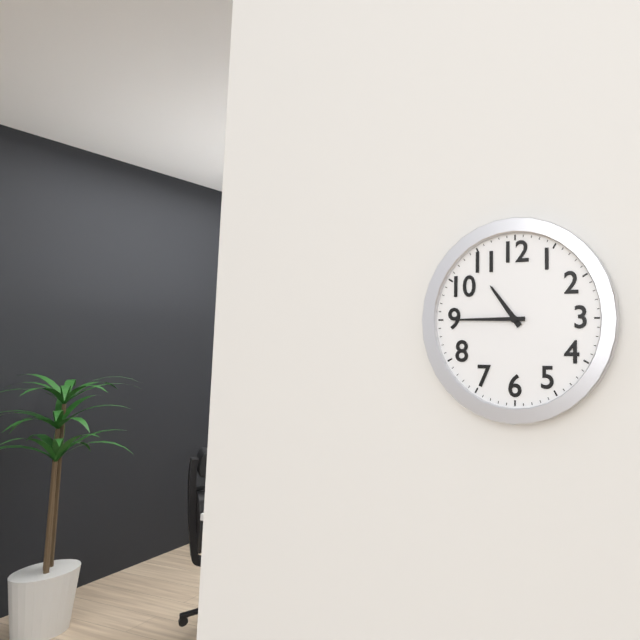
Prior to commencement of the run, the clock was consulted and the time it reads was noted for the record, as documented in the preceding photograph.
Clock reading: 10:45
